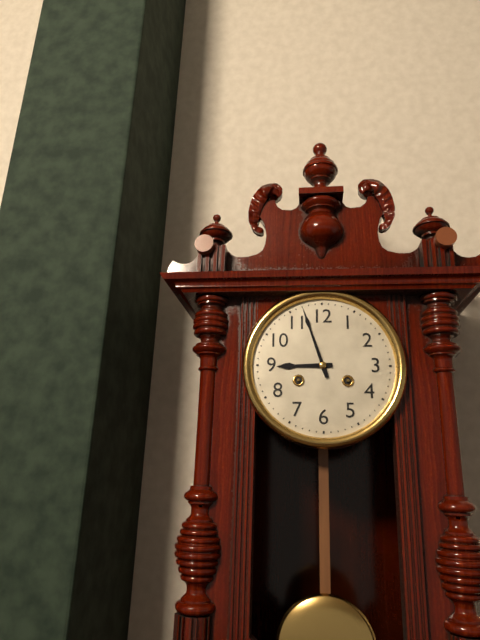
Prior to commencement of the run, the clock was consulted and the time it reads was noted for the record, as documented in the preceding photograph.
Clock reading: 8:57
